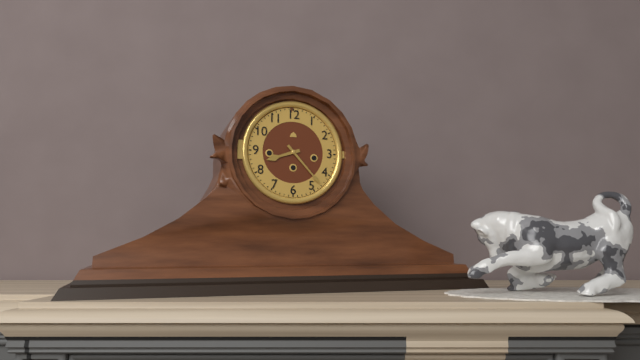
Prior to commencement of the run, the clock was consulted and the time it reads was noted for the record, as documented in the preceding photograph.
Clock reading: 8:23
